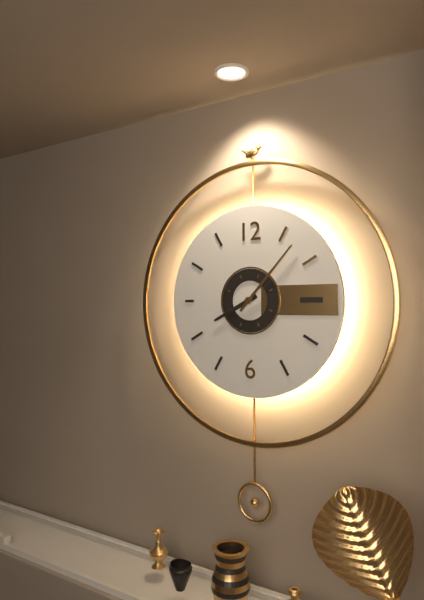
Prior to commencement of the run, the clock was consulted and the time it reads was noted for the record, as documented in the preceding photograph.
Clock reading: 8:07
